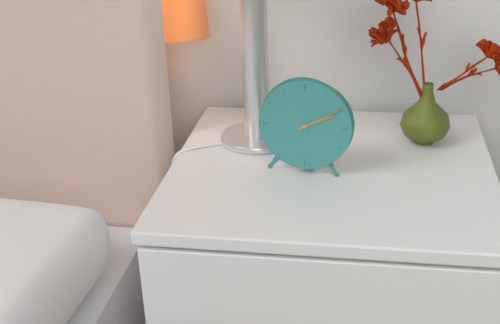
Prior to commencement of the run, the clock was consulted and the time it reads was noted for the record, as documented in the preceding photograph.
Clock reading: 2:10
